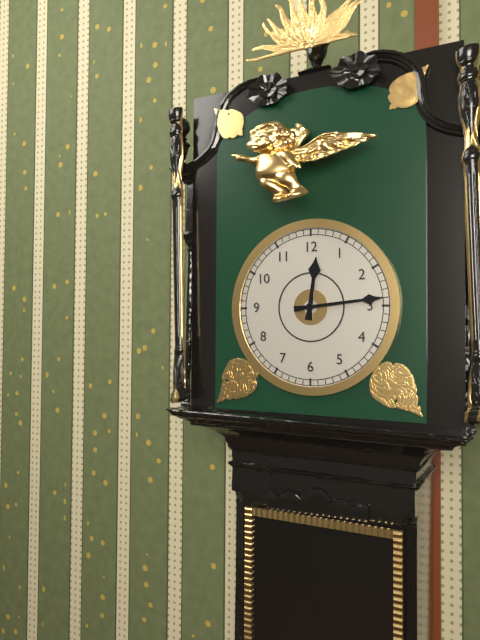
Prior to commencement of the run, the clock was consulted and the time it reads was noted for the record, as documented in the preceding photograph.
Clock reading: 12:14
